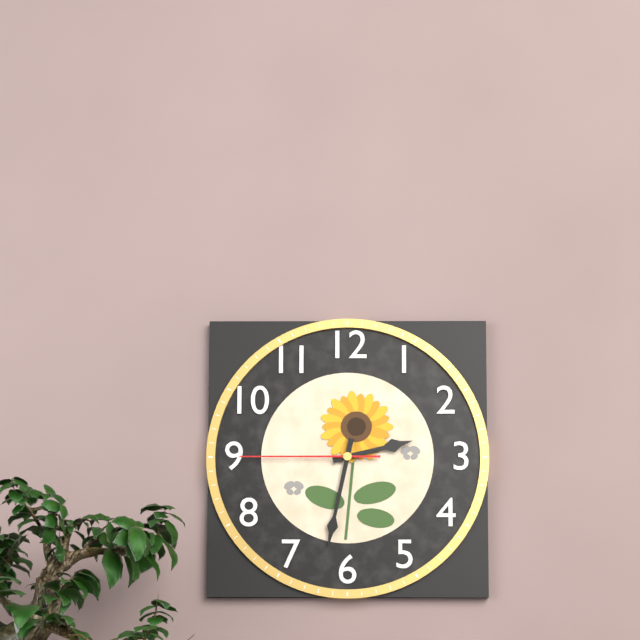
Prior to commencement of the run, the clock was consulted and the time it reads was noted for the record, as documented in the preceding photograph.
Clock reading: 2:32:45
